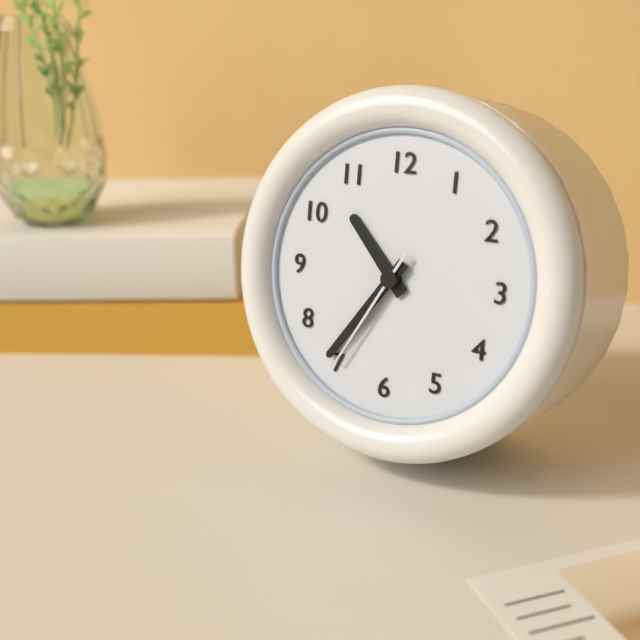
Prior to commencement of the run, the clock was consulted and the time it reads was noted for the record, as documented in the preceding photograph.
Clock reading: 10:36:35
